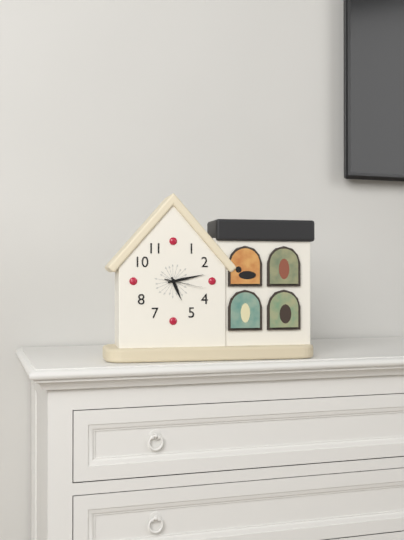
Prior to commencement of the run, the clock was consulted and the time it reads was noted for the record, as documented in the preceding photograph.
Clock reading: 5:13
